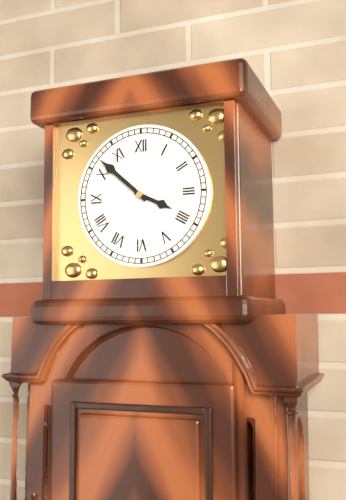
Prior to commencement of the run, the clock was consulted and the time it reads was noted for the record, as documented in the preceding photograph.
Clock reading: 3:52
